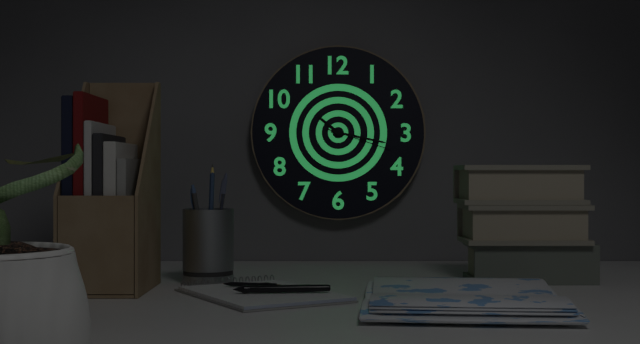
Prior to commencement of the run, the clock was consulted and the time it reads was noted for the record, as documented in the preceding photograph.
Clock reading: 10:17:18
